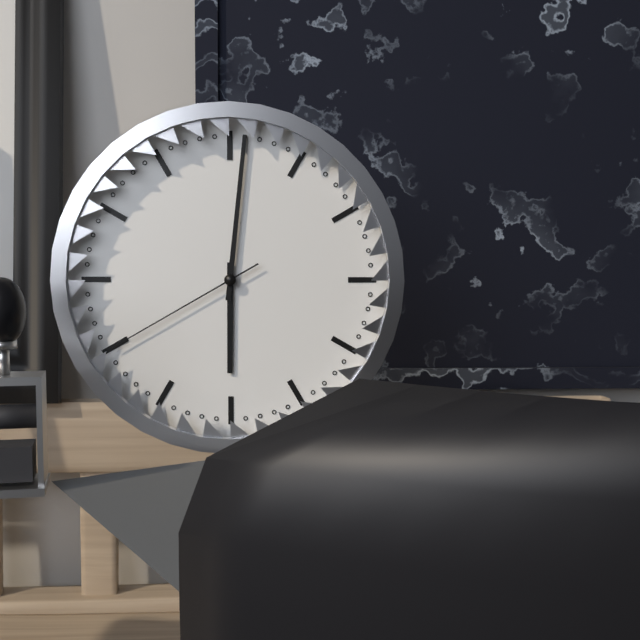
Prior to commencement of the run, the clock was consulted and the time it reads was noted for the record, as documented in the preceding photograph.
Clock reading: 6:01:40
